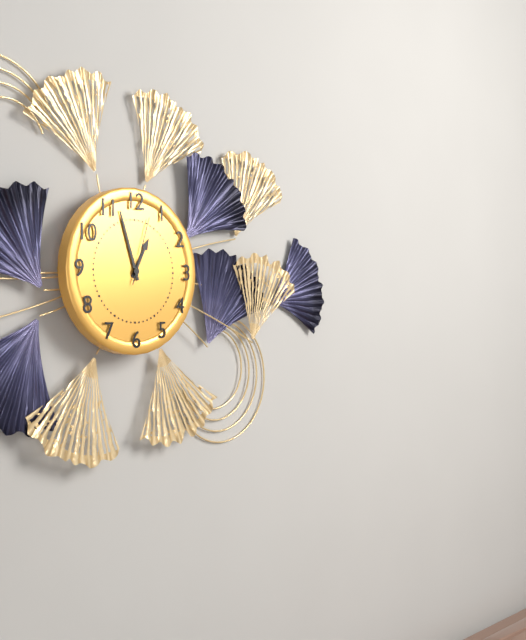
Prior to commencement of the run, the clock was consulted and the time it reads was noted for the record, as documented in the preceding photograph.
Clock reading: 12:57:03
